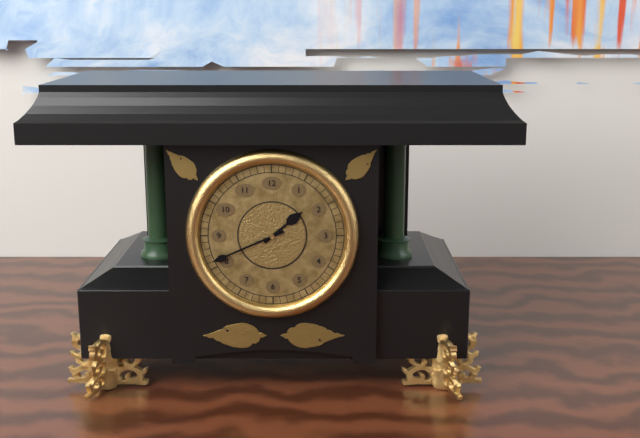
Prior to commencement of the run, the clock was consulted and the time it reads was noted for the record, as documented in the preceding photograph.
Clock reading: 1:41
